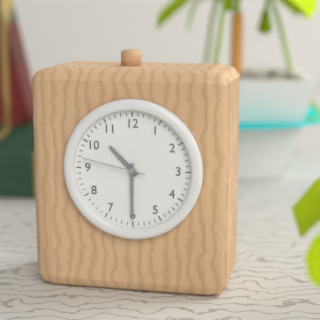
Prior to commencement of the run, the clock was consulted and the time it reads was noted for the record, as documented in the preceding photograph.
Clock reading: 10:30:47
